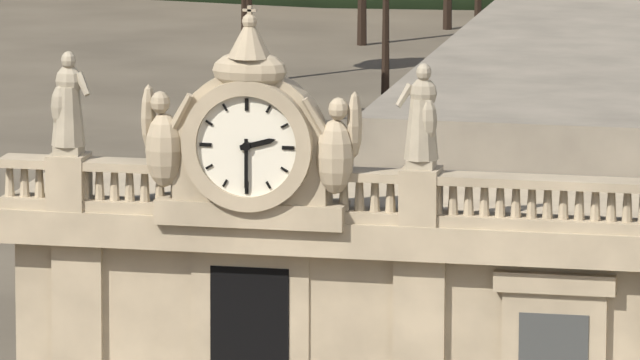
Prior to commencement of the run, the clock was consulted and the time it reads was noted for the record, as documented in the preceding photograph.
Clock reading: 2:30
